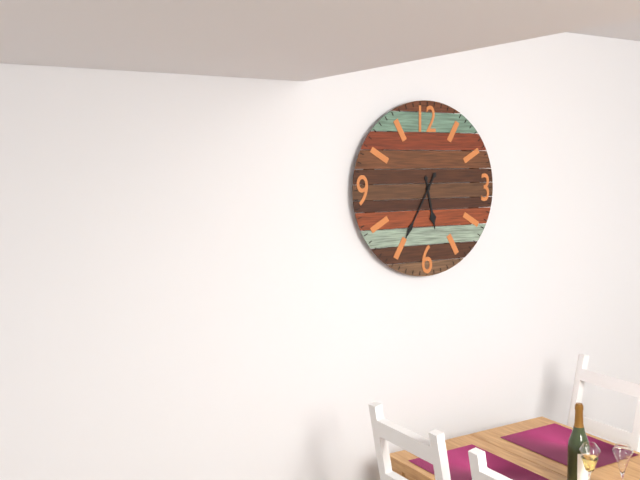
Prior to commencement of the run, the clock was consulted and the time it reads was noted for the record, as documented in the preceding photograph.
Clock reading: 5:35
